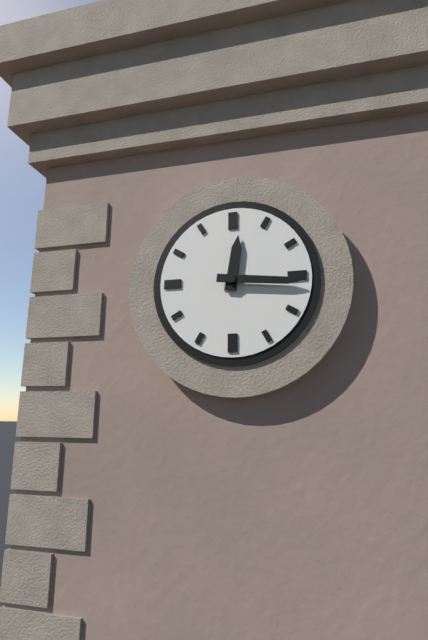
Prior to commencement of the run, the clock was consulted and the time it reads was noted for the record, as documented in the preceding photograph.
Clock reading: 12:16
